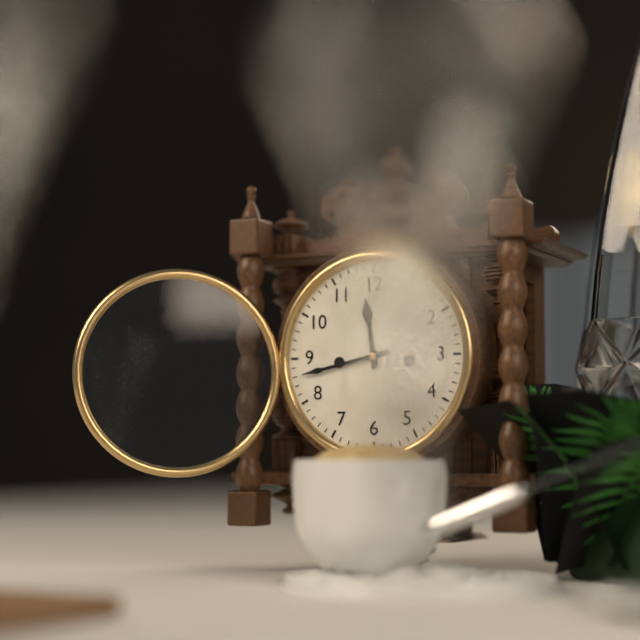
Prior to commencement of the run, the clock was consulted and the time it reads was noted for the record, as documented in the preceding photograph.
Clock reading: 11:43
